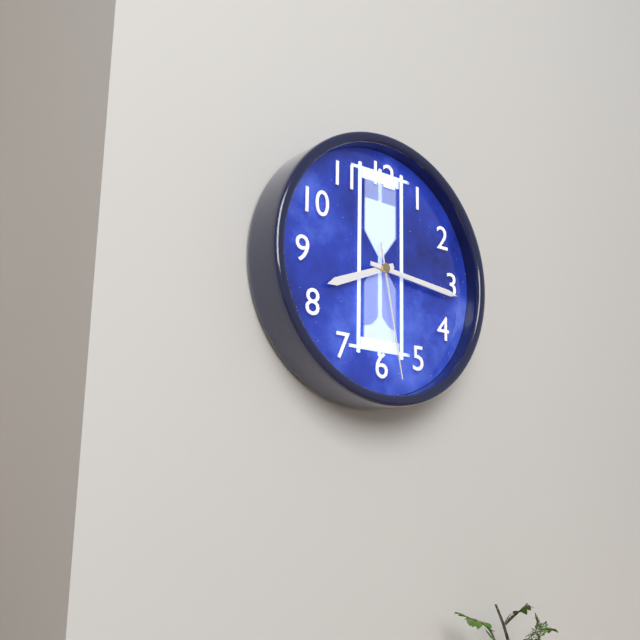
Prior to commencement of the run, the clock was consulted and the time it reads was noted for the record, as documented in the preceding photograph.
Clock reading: 8:16:28
